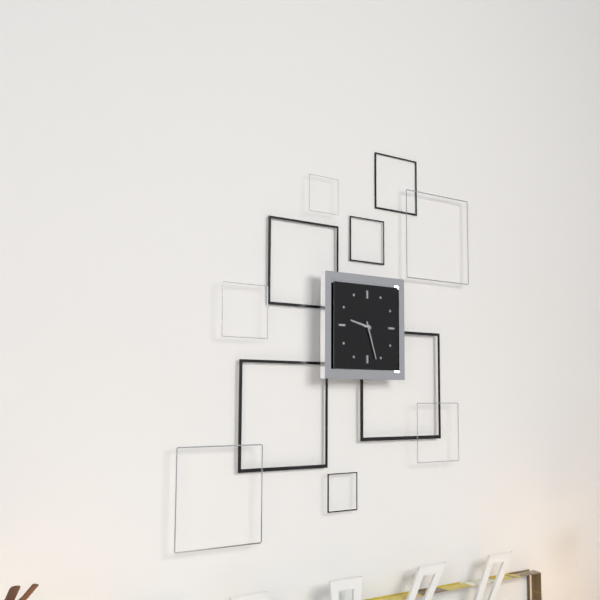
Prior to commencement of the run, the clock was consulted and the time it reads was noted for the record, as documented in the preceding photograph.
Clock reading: 9:27
